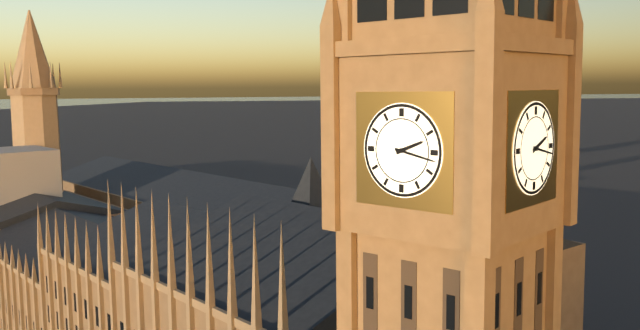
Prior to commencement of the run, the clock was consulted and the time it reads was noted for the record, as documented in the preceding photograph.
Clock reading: 2:17
